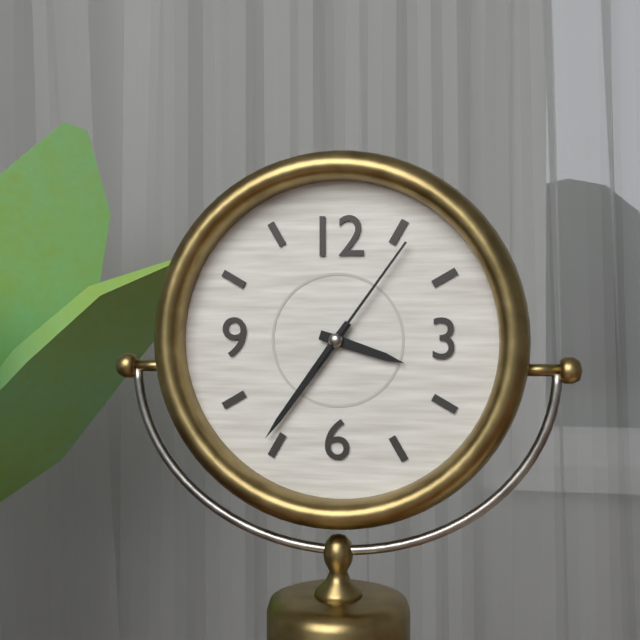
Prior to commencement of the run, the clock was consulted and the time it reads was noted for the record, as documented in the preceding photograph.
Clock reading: 3:36:06
